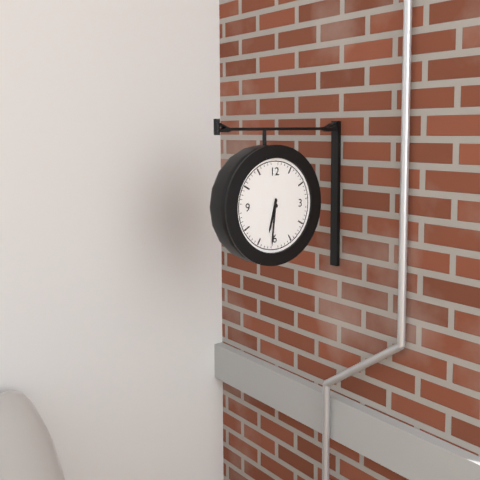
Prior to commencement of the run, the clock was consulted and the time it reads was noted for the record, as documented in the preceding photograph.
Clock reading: 6:31
